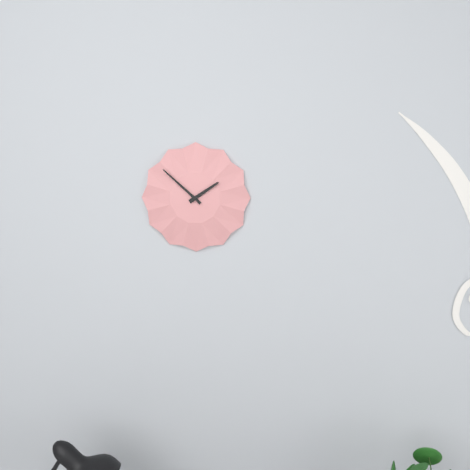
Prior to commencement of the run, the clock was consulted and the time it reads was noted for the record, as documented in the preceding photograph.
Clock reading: 1:52
